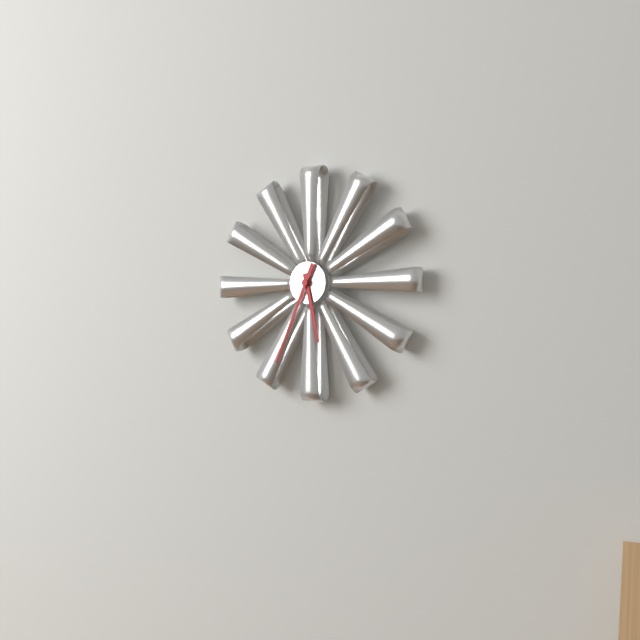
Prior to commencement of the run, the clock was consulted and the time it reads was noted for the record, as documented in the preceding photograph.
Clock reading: 5:34
